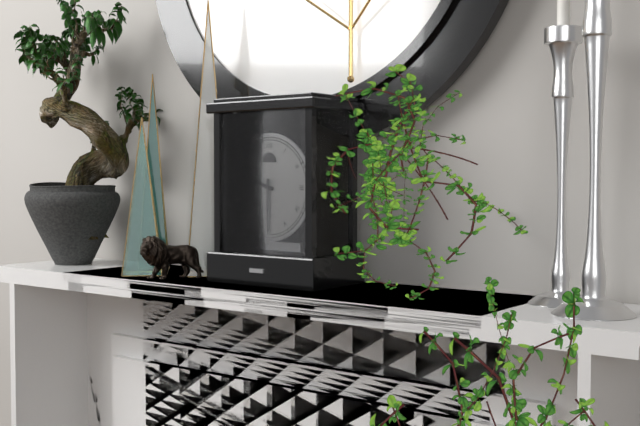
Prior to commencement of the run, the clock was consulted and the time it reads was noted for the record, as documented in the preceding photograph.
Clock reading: 9:30
